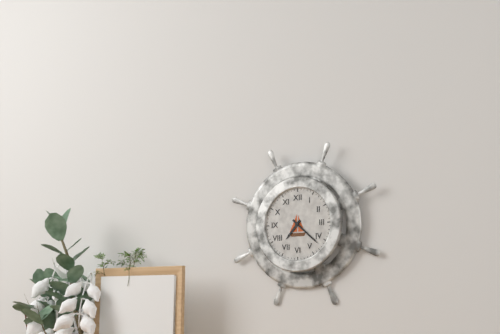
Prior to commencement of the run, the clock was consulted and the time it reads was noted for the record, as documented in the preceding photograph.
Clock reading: 7:22
